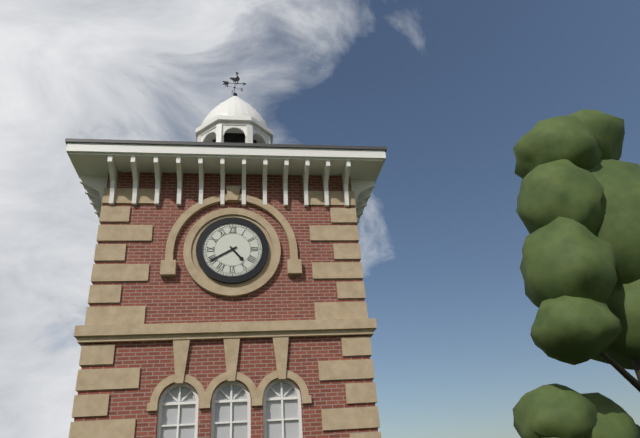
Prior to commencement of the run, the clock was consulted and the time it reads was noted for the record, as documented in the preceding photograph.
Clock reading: 4:40
